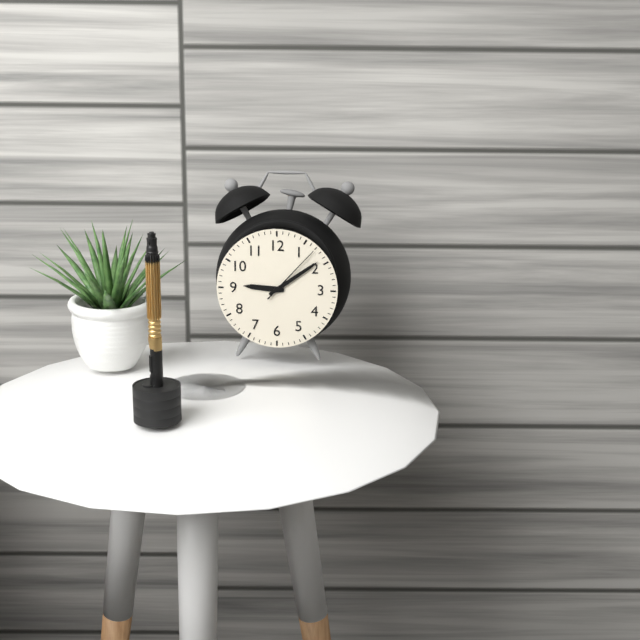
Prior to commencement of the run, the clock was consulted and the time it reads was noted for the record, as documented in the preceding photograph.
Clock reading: 9:09:07
